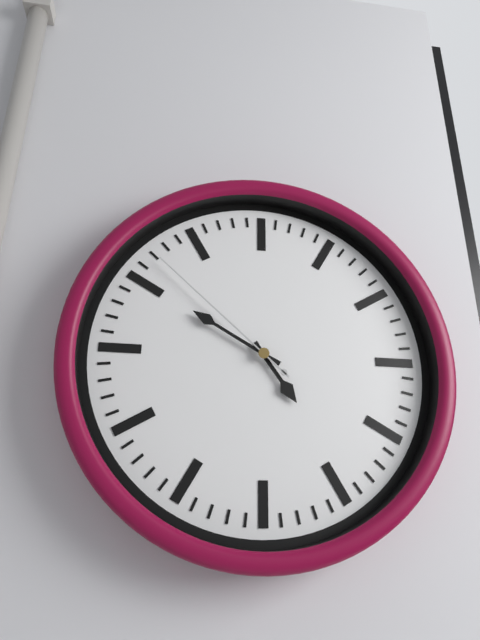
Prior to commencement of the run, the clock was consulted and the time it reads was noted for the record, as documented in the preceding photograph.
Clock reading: 4:50:52
